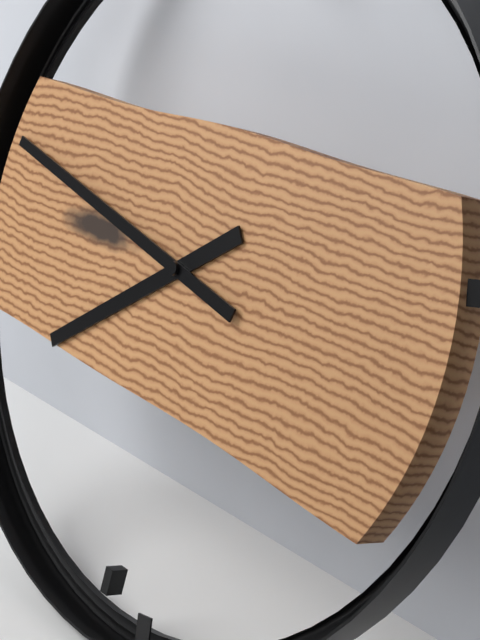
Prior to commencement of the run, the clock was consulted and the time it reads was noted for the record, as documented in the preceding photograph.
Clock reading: 7:47
